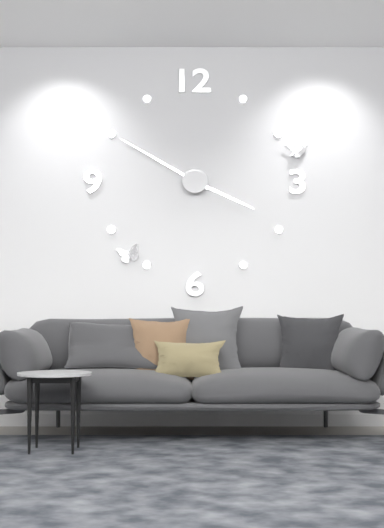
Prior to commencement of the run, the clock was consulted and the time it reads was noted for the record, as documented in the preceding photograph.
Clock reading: 3:50
